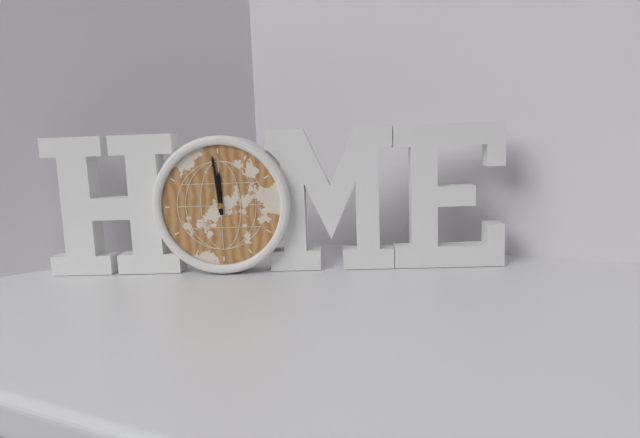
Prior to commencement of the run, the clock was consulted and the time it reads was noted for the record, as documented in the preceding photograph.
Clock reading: 11:59
